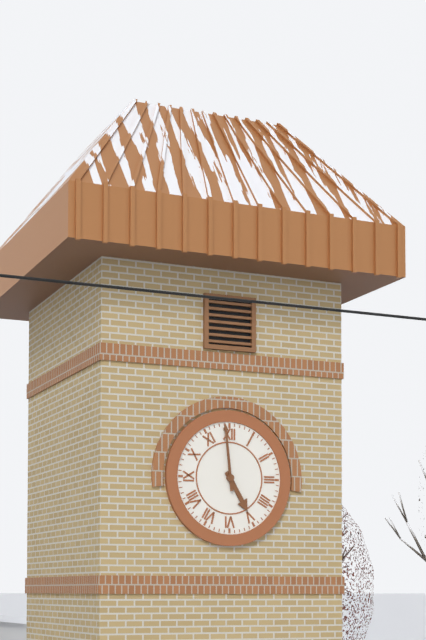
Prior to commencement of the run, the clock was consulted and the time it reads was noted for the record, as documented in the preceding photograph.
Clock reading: 4:59
